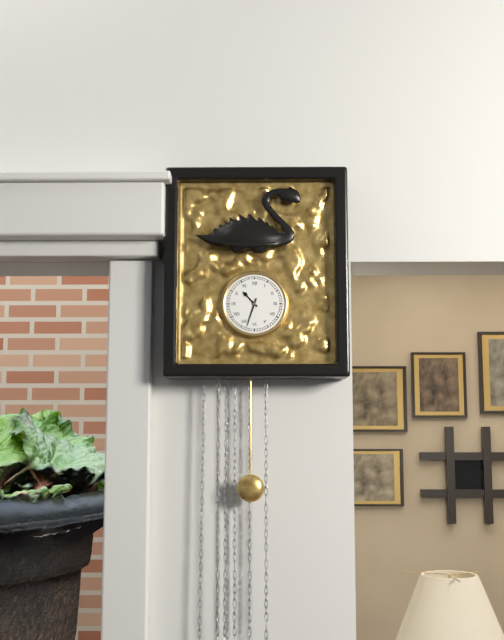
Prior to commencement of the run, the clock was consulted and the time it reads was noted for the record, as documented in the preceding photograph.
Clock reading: 10:33
